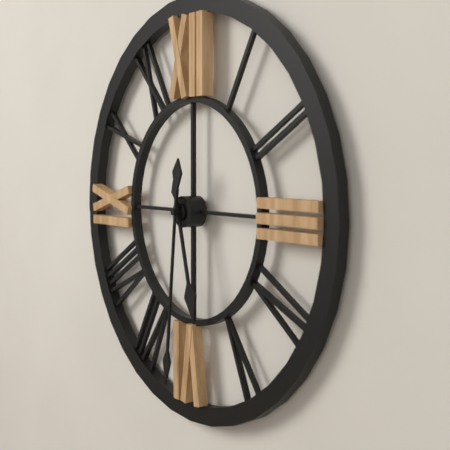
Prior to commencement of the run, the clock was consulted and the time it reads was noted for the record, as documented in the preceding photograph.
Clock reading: 5:31
